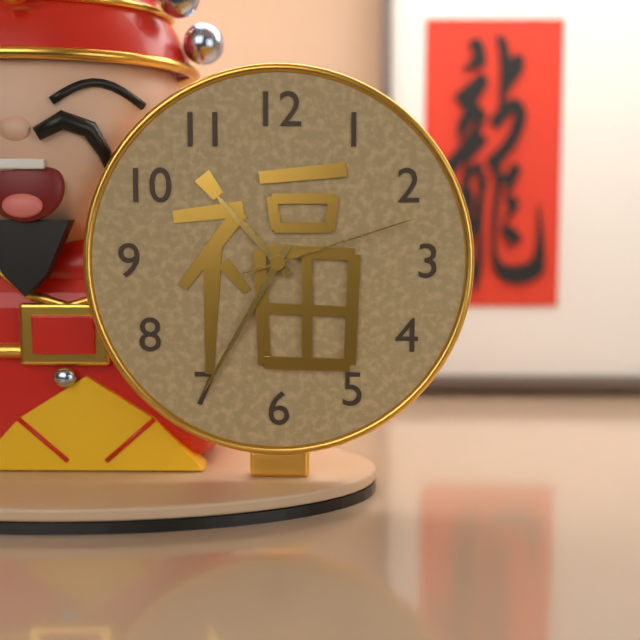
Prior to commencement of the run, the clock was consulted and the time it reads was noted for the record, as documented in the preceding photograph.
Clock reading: 10:35:12
